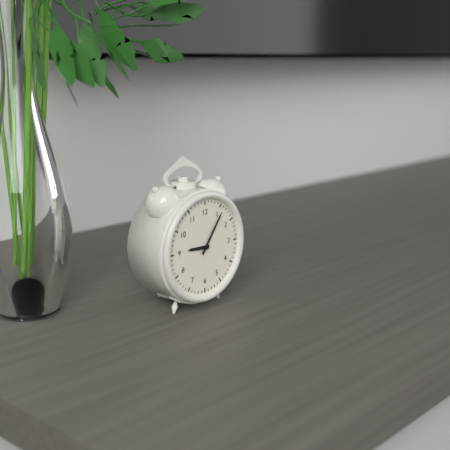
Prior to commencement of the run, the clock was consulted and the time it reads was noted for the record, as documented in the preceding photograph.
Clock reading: 9:06
